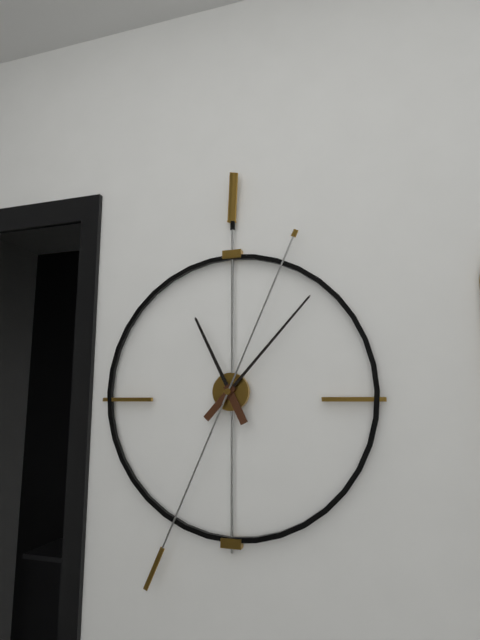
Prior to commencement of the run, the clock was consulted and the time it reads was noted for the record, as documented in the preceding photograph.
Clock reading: 11:07:34
